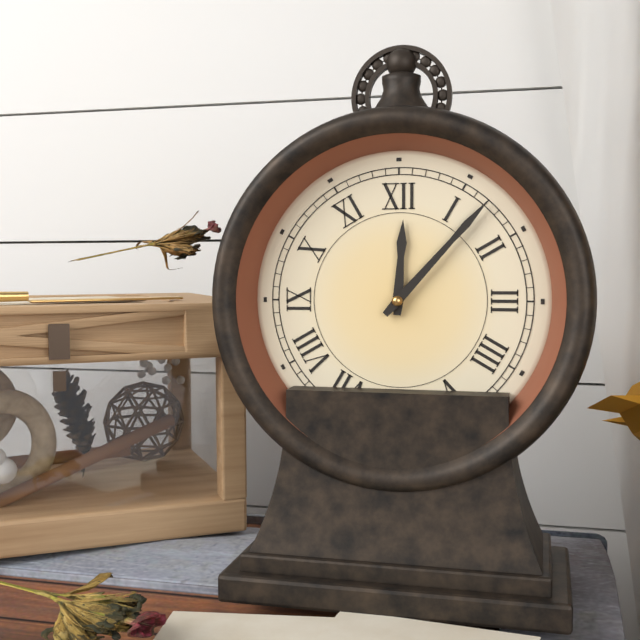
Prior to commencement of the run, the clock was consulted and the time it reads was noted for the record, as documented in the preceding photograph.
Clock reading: 12:07
